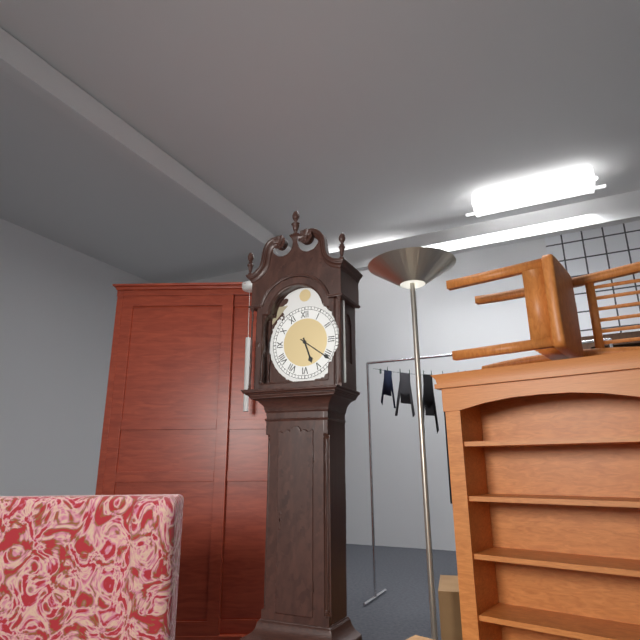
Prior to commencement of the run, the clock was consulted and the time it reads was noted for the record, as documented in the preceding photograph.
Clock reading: 5:21
